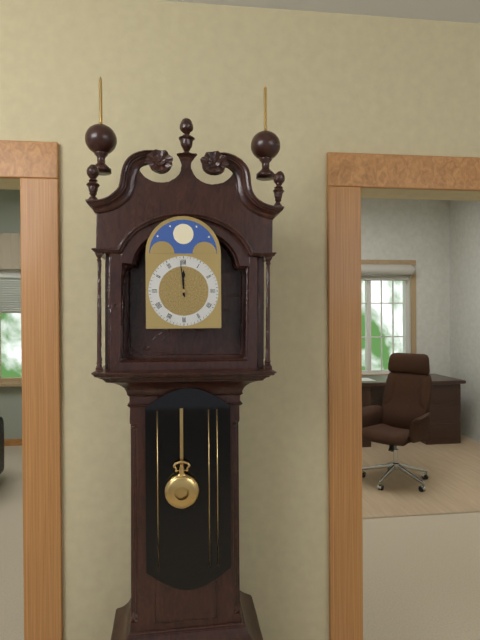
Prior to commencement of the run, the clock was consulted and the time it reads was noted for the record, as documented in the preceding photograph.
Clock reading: 11:59
